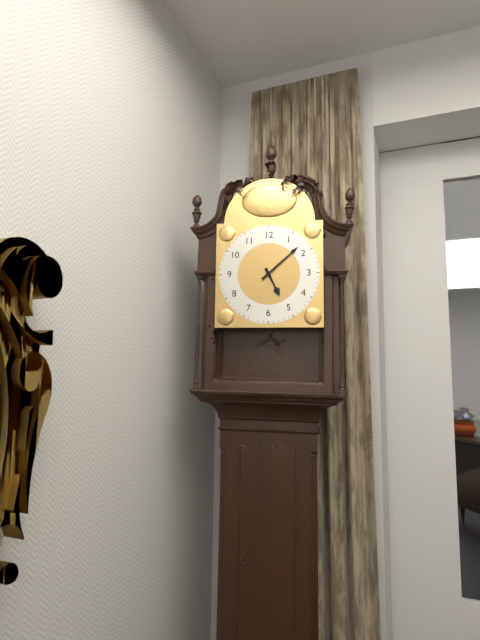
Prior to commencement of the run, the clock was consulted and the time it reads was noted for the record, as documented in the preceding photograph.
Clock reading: 5:08
